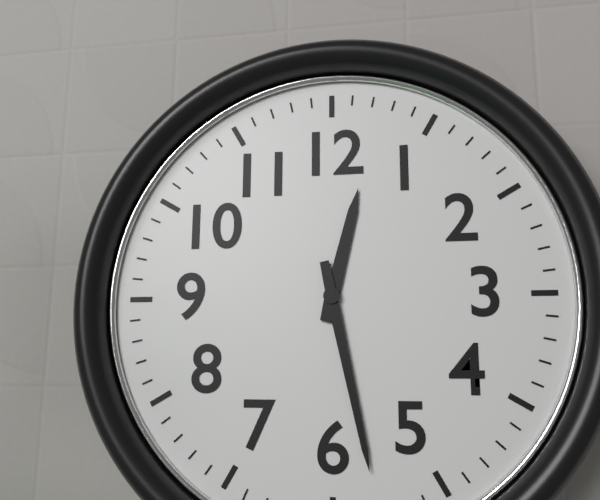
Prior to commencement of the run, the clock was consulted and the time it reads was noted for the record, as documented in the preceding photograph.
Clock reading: 12:28
